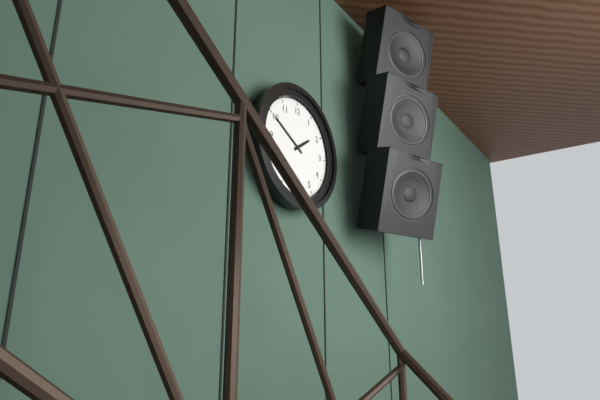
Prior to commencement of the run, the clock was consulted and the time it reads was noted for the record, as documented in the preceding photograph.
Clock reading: 1:50
